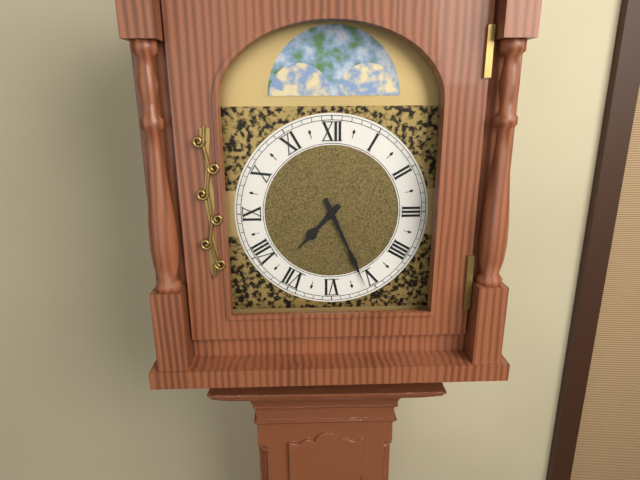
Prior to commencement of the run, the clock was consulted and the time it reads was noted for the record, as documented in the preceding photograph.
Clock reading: 7:26
